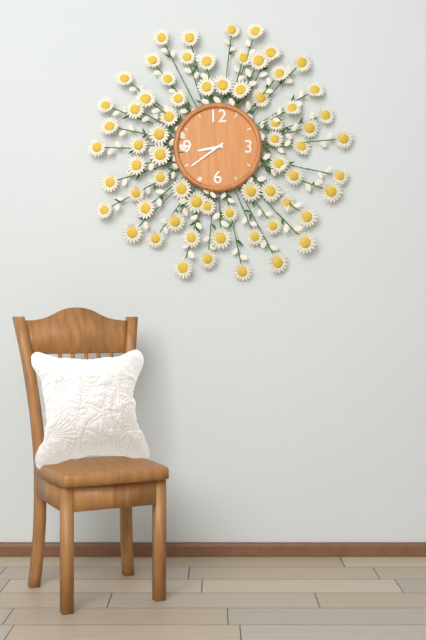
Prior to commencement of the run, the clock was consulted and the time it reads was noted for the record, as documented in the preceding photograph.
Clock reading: 8:39
